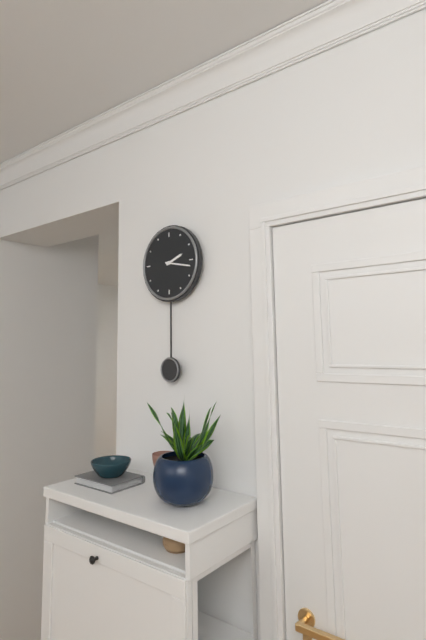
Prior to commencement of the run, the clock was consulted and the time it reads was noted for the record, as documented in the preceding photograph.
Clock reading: 2:17
